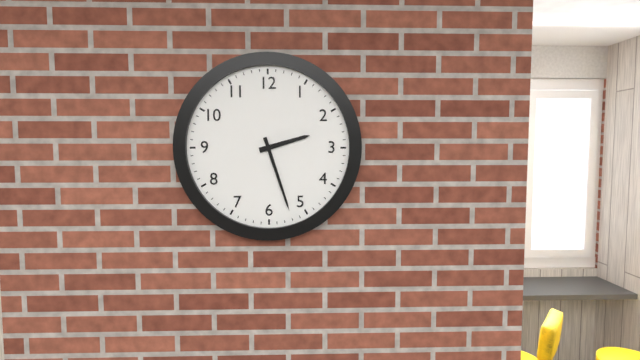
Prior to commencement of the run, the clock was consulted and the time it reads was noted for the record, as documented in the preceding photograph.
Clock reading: 2:27
